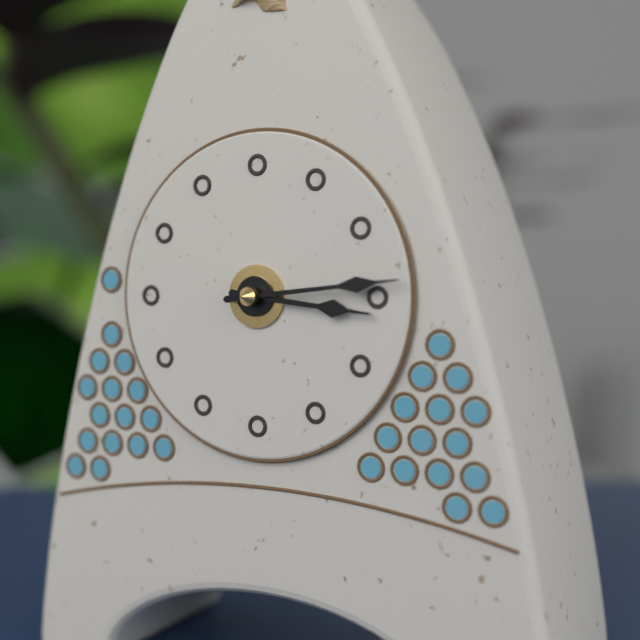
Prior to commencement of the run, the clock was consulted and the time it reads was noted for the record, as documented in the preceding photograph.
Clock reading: 3:14
